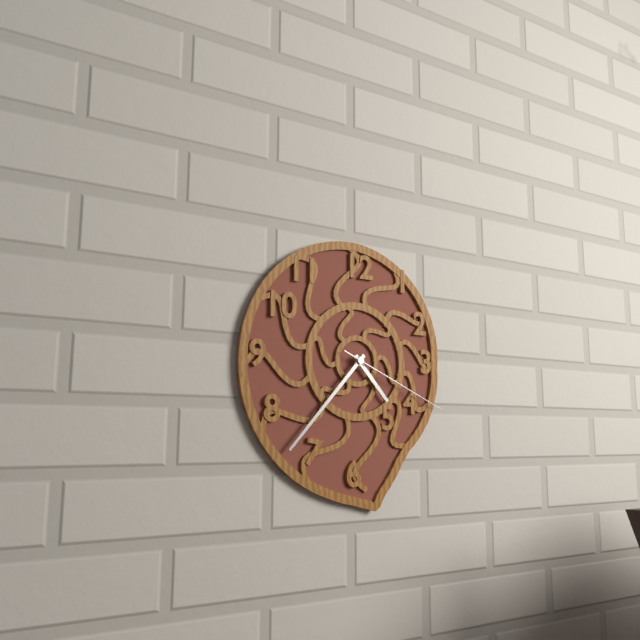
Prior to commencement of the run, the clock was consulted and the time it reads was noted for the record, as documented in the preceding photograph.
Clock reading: 4:37:19
